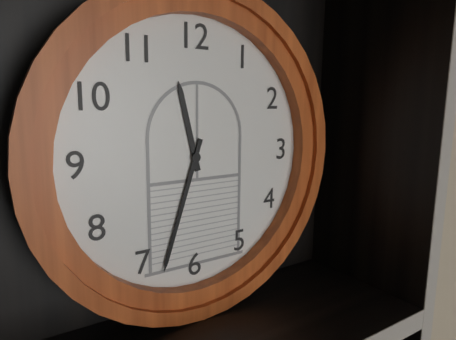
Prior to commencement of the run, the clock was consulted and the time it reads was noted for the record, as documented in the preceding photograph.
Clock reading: 11:33
